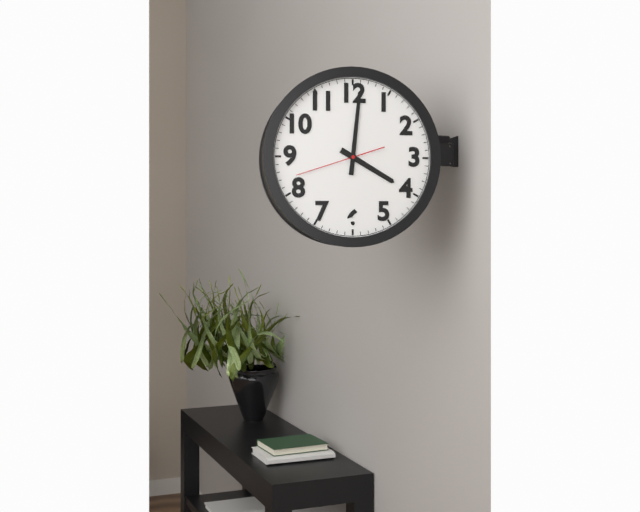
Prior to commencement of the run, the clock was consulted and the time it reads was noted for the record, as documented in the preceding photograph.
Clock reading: 4:01:42
